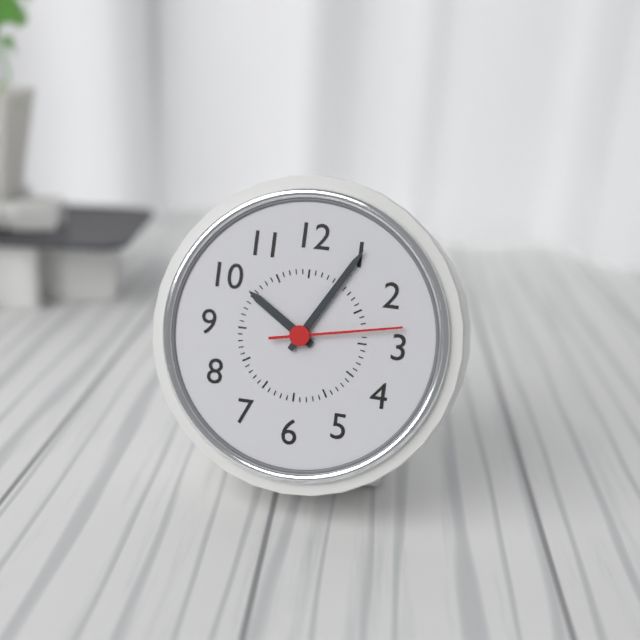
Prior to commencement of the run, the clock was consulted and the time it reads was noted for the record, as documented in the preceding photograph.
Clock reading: 10:05:13
